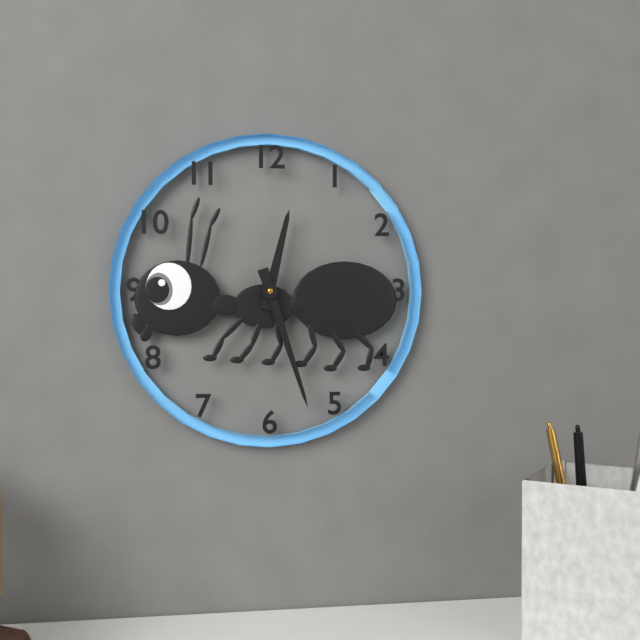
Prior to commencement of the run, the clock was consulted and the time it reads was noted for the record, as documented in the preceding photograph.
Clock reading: 12:27
